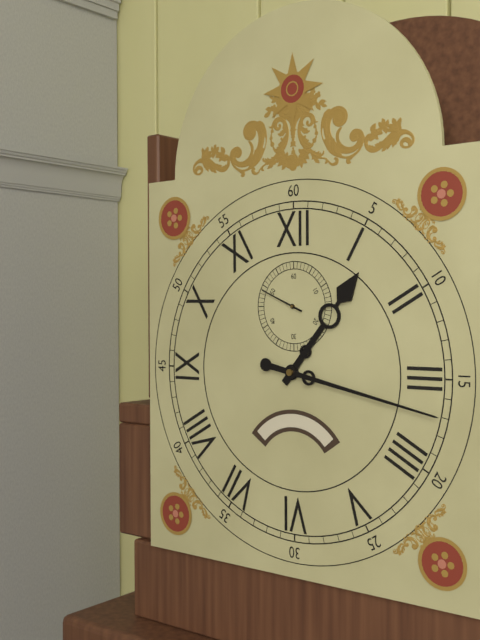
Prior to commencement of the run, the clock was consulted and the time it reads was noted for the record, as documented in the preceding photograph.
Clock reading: 1:17
